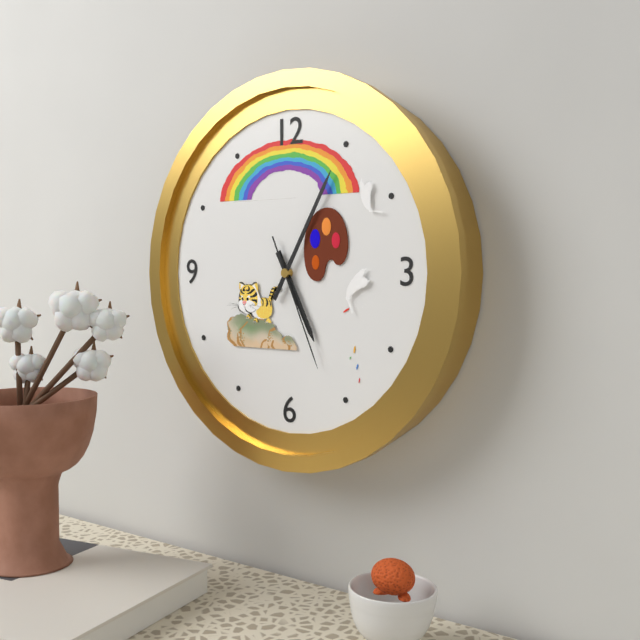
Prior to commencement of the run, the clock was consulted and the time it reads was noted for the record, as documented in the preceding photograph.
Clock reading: 5:05:26
